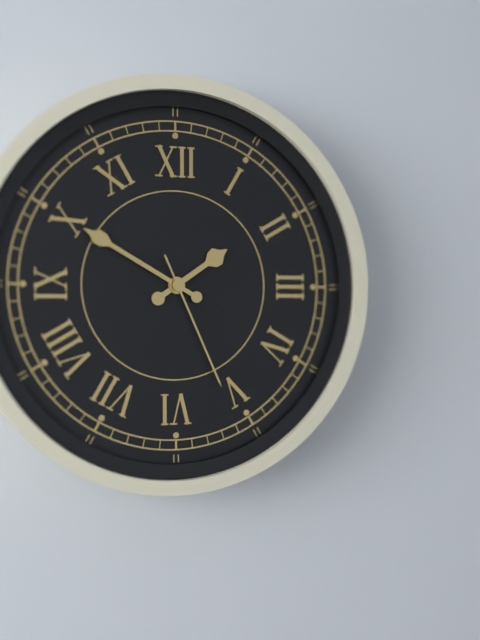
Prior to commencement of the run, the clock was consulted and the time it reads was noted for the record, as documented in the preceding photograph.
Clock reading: 1:50:26
